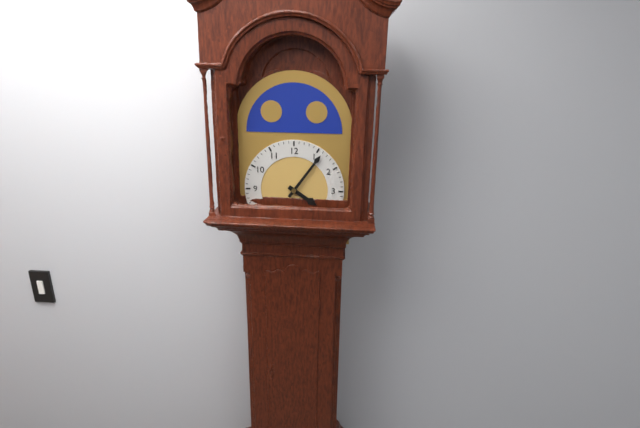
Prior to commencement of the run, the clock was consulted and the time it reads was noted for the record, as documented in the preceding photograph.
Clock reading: 4:06
